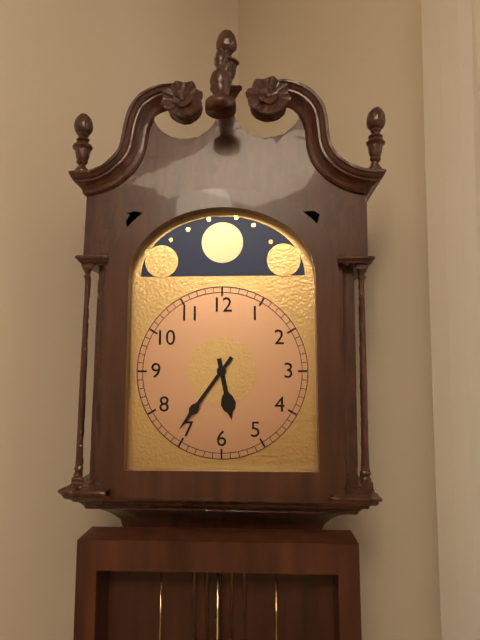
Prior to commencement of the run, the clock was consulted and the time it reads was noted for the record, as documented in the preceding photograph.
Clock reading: 5:36
